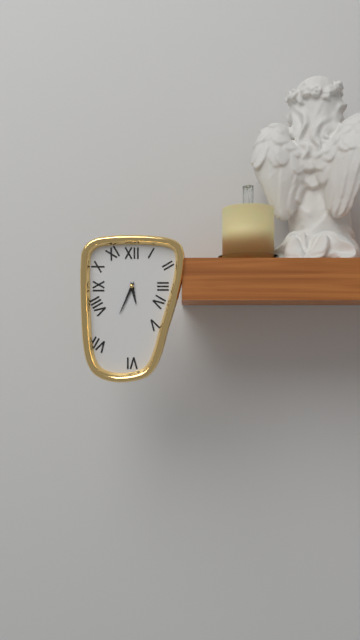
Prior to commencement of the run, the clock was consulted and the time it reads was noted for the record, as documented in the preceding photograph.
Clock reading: 5:34
